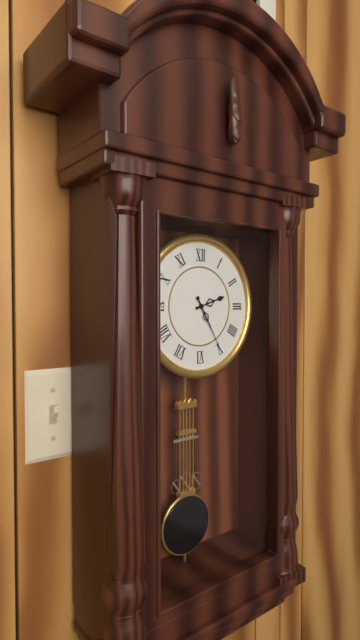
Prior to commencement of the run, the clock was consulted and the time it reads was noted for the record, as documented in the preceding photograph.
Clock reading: 2:25
